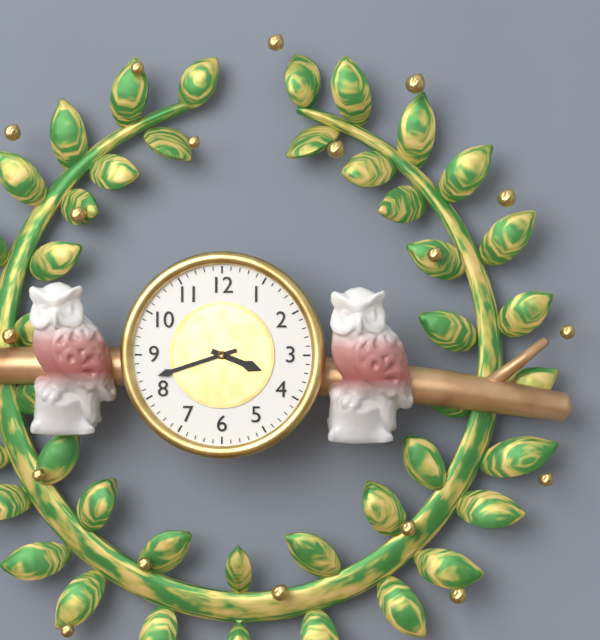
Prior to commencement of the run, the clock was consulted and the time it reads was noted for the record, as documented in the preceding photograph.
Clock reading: 3:42
